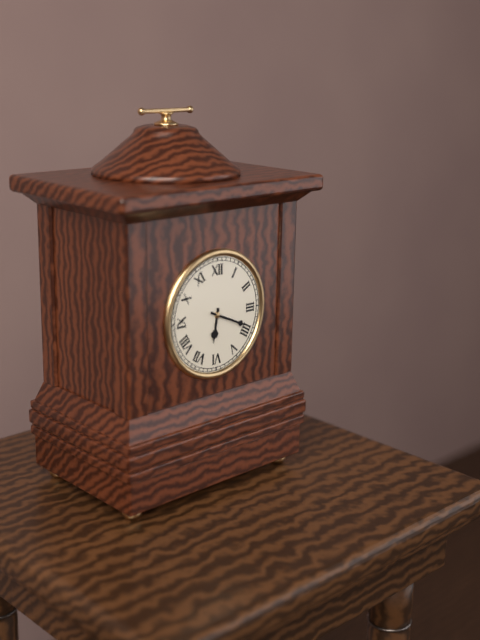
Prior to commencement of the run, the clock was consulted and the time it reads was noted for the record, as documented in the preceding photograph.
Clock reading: 6:19
